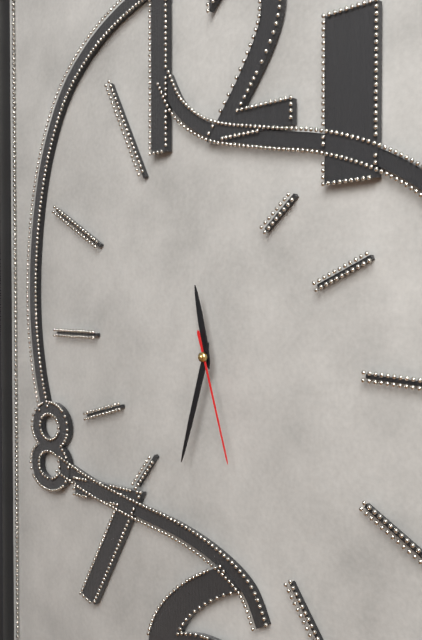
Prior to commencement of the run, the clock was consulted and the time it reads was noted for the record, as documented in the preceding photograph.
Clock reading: 11:33:27
